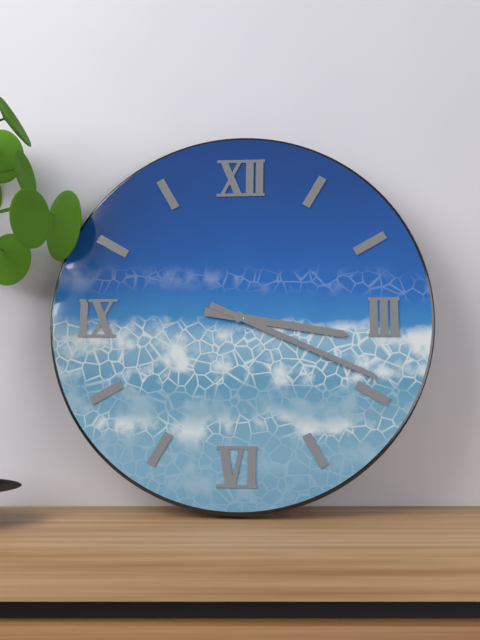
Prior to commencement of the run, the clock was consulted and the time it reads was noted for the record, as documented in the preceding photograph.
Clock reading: 3:19
